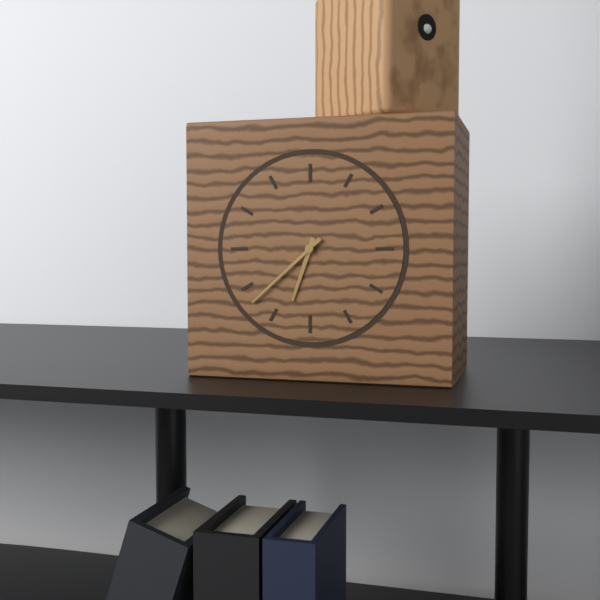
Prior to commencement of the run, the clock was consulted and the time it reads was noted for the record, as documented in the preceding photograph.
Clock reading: 6:38
